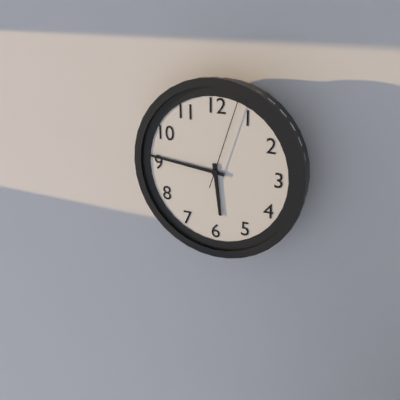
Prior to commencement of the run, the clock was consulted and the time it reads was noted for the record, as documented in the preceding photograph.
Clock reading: 5:46:03
